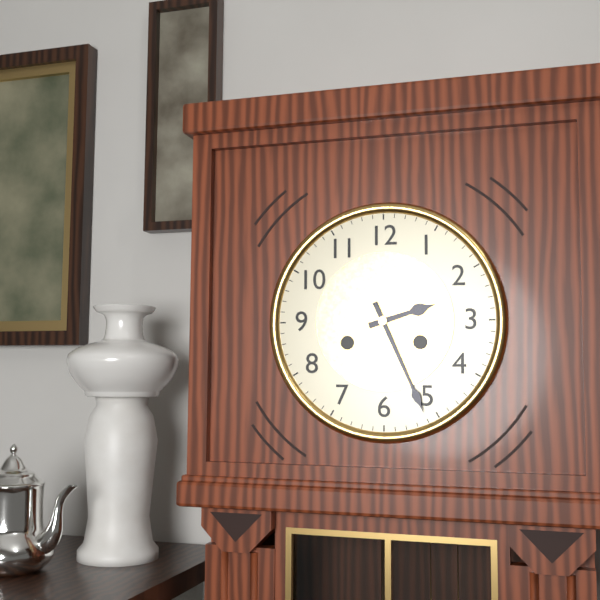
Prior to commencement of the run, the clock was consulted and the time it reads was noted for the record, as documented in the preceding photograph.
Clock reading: 2:26
